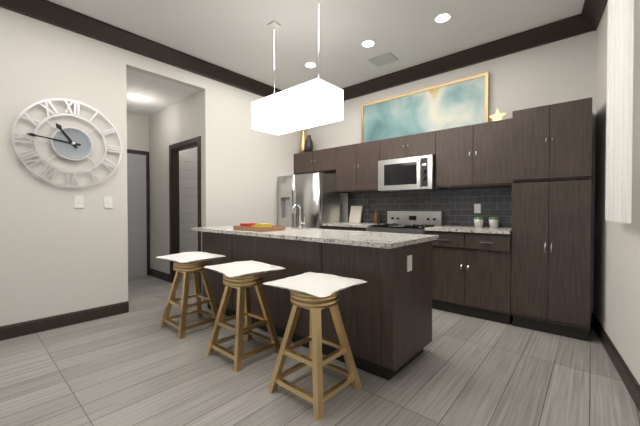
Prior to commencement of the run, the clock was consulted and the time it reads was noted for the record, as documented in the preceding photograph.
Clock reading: 10:46
